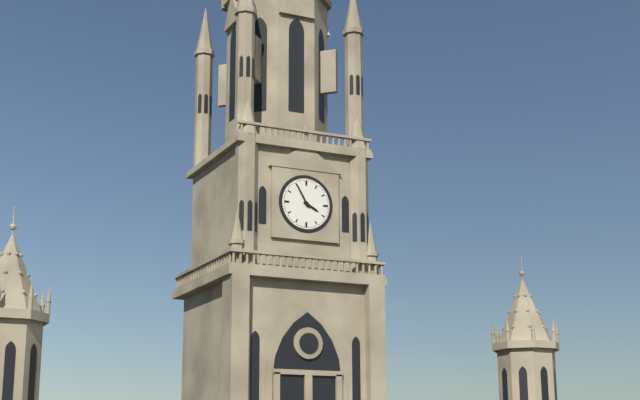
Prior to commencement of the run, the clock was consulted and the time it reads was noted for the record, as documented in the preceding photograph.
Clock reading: 3:55
